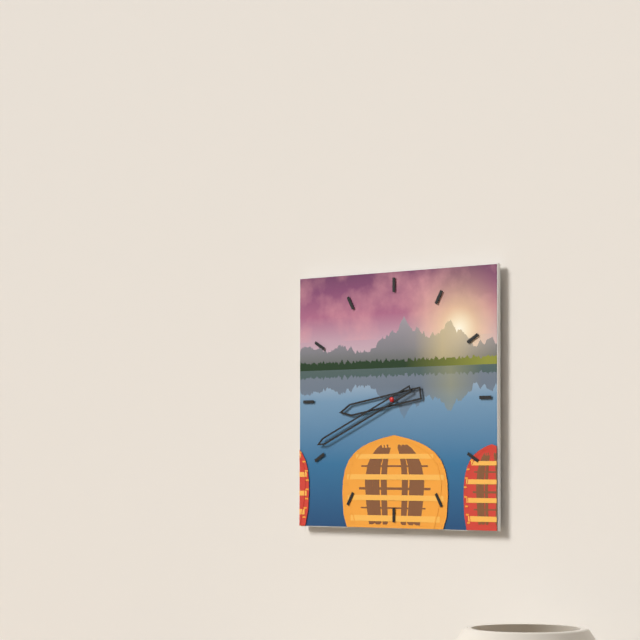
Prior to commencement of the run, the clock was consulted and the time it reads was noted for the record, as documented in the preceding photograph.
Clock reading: 8:41
